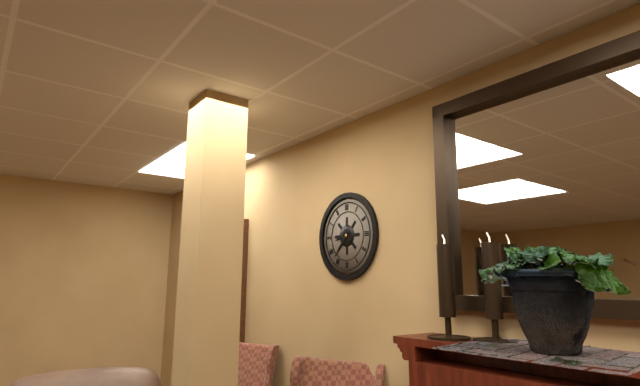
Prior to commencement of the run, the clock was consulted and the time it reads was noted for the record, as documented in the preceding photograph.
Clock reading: 8:37
